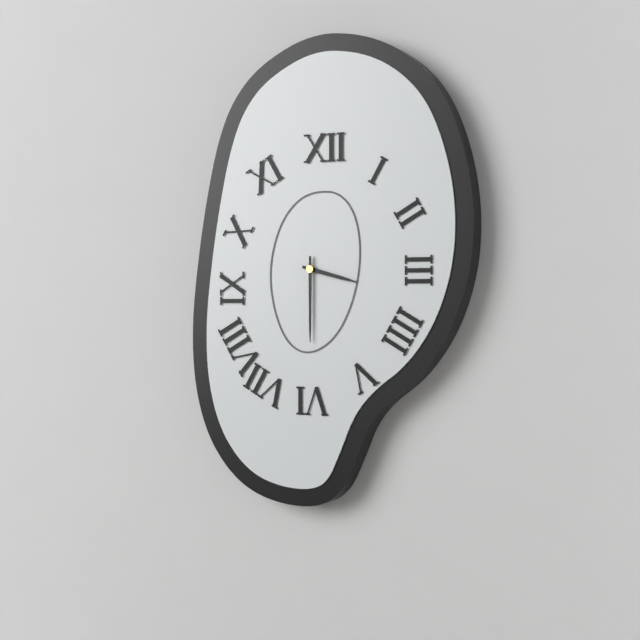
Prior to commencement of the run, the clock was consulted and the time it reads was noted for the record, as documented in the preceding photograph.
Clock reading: 3:30
